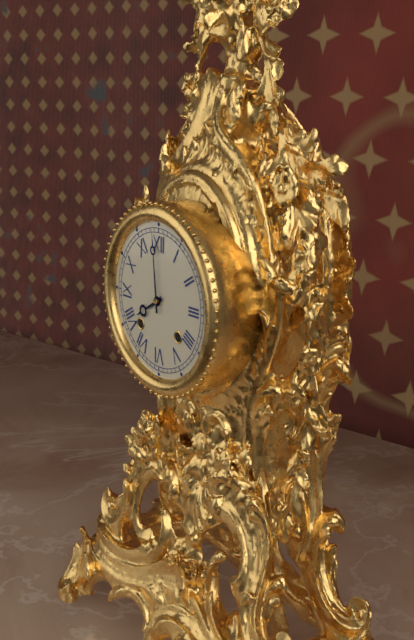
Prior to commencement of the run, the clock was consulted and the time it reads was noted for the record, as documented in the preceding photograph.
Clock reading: 7:59
